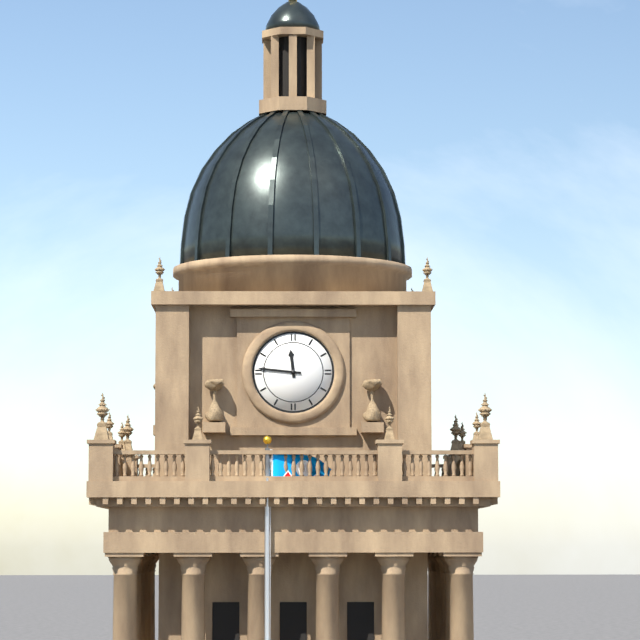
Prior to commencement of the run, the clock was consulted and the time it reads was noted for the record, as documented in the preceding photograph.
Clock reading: 11:46
